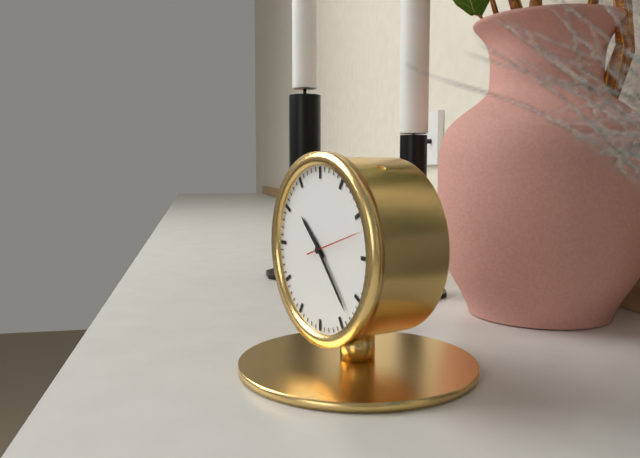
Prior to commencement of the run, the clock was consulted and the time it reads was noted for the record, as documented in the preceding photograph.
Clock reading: 10:23:12
